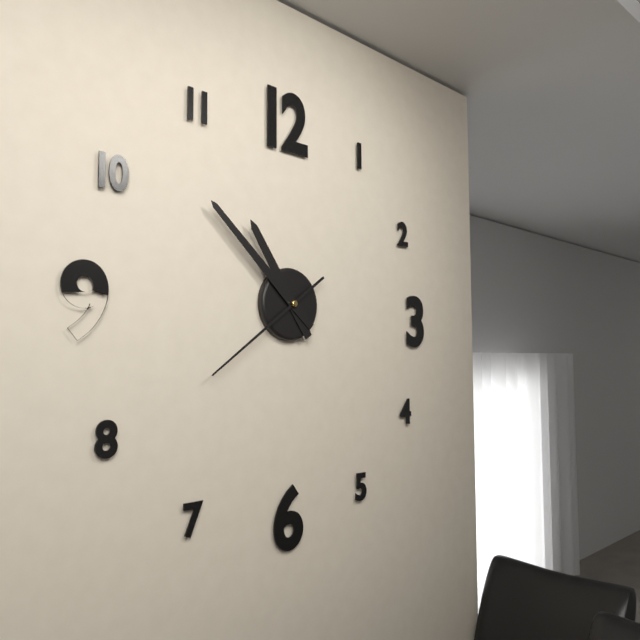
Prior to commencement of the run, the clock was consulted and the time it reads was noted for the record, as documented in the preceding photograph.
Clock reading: 10:52:39
